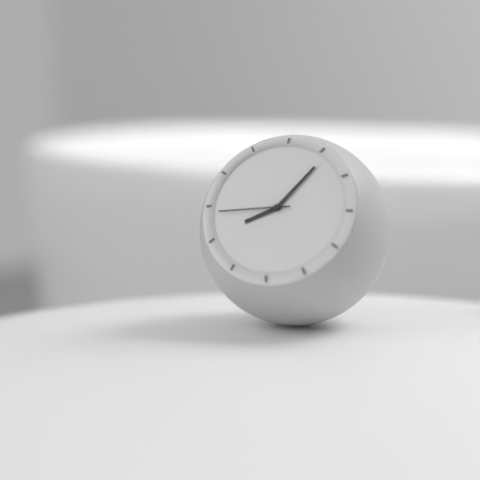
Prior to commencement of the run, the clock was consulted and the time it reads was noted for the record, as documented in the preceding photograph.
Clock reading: 8:06:44
